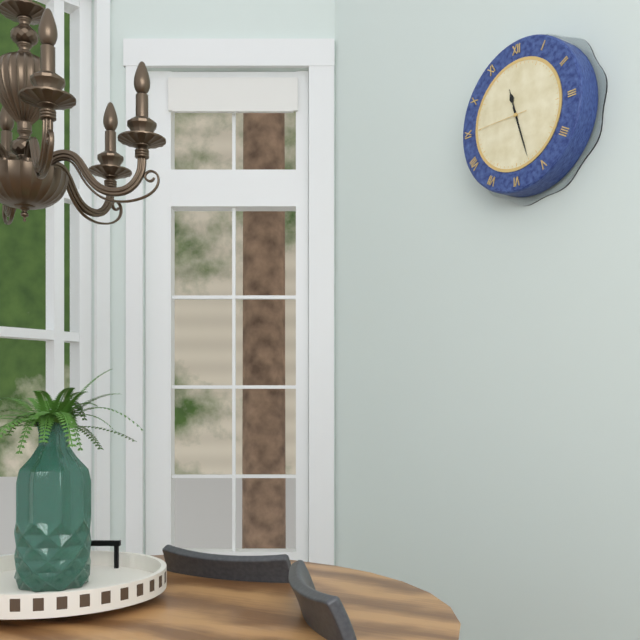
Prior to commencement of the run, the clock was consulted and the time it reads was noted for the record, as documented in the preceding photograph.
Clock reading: 11:27:45
